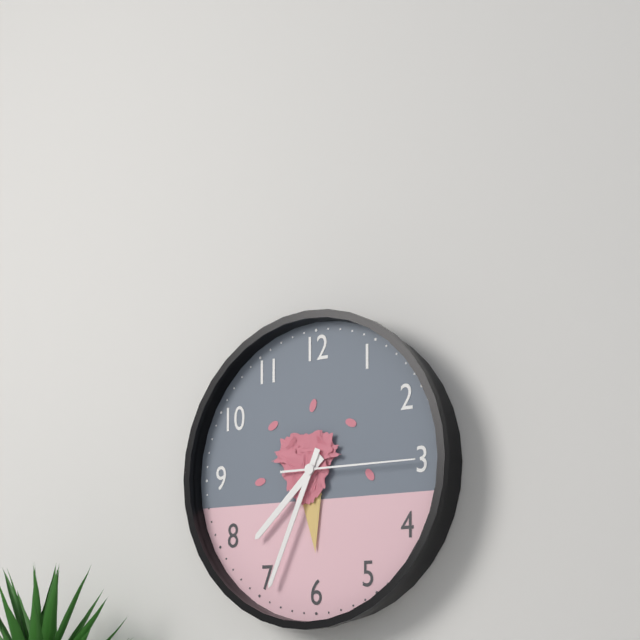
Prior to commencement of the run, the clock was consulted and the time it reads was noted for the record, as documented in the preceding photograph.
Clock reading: 7:34:15
